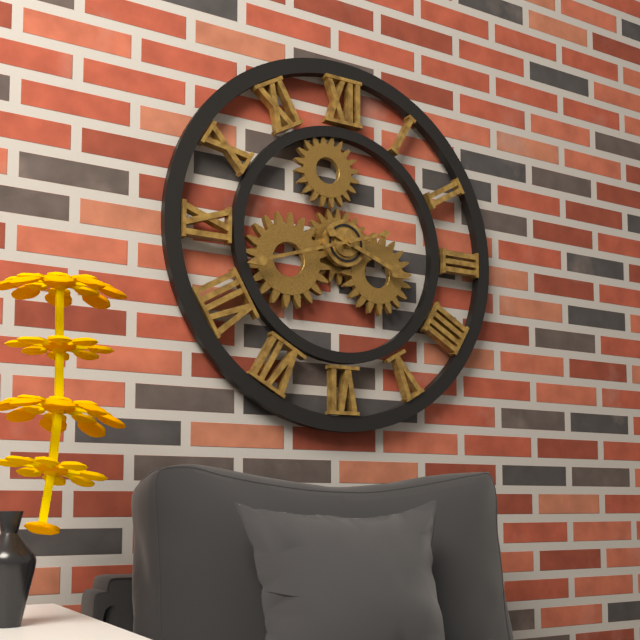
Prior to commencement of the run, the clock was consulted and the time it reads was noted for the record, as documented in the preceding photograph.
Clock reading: 3:42
